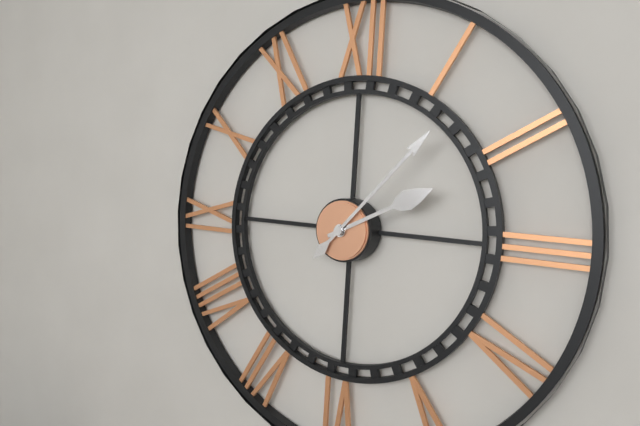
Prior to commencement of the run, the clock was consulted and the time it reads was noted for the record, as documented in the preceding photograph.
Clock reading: 2:07
